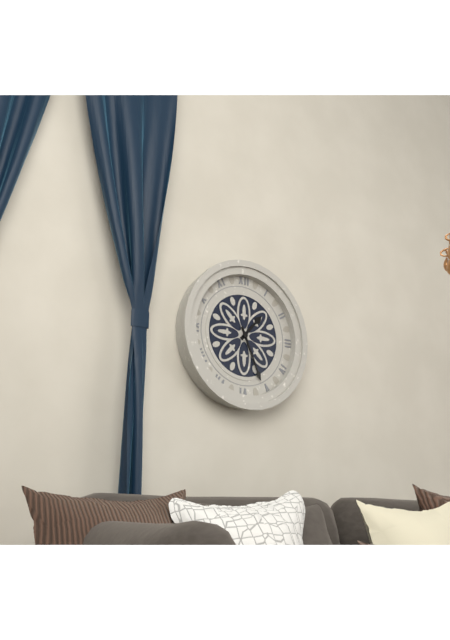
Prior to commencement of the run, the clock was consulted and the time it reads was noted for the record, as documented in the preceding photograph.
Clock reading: 1:26
